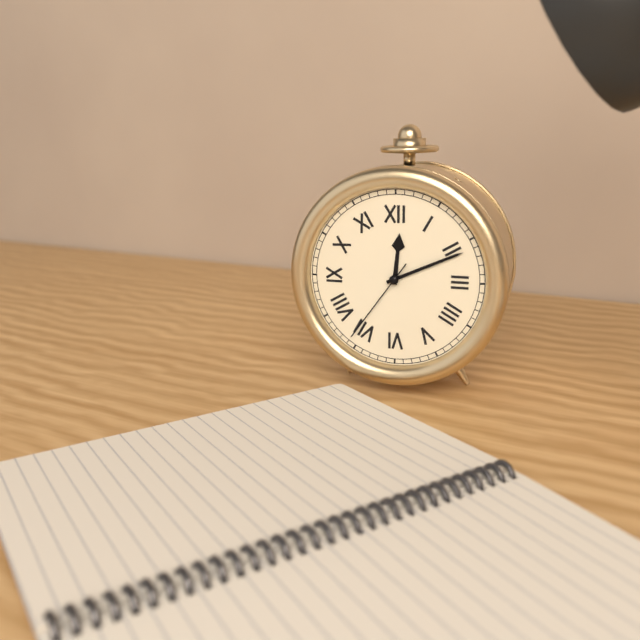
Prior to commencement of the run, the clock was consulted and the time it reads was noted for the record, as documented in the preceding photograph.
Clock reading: 12:11:36
